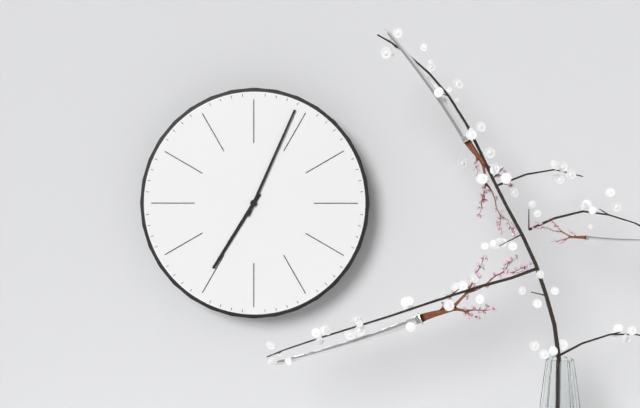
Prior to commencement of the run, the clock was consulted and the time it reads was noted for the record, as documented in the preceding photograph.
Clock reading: 7:04
